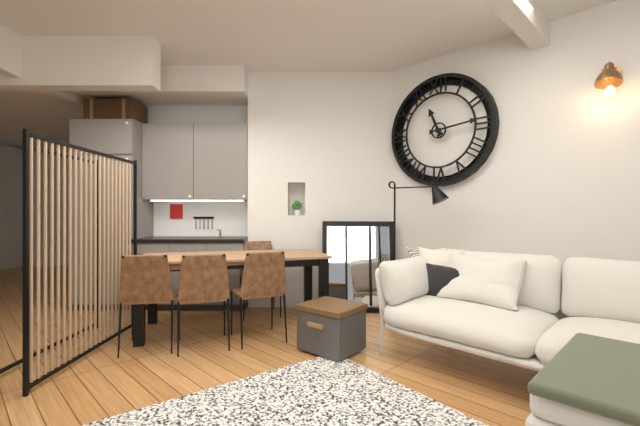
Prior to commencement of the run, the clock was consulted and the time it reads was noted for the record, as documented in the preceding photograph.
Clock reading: 11:14
